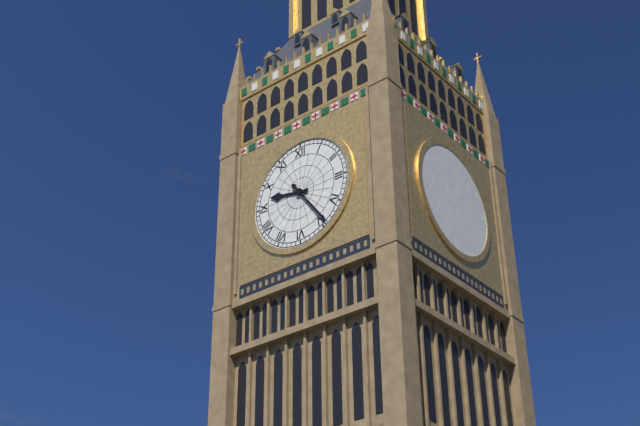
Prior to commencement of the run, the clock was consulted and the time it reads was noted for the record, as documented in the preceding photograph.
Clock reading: 9:24
